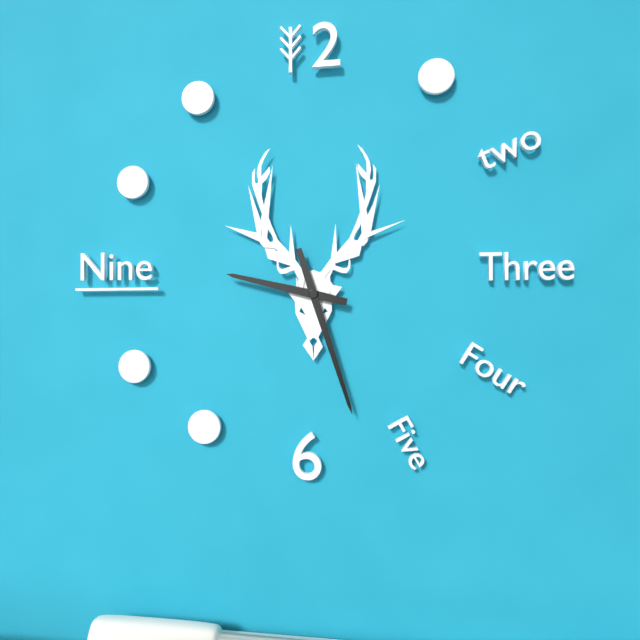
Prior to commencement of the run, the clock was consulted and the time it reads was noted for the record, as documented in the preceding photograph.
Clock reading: 9:27
